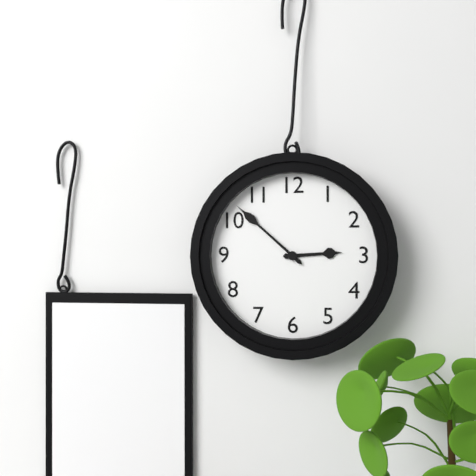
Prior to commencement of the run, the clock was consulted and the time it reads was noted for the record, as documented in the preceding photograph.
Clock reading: 2:52
